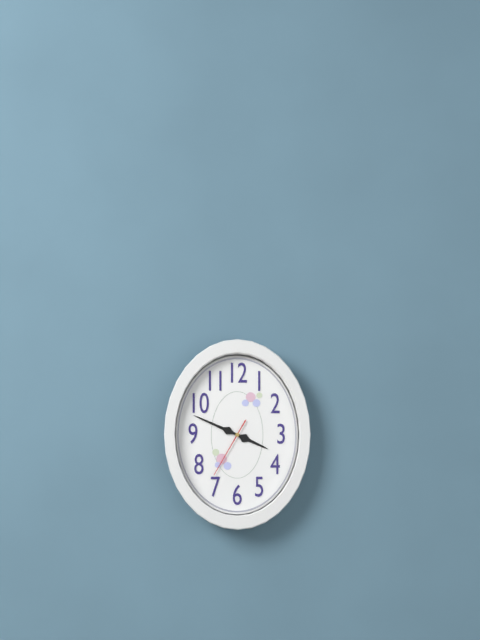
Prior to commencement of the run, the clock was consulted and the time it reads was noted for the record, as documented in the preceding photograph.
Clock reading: 3:49:35
